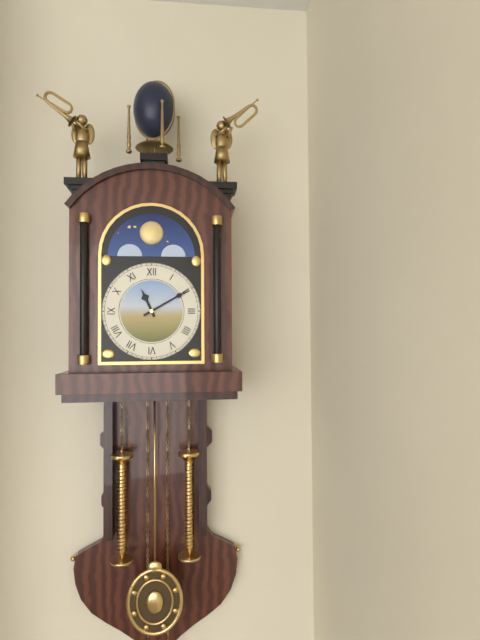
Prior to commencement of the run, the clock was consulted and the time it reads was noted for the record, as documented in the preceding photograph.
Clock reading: 11:10
